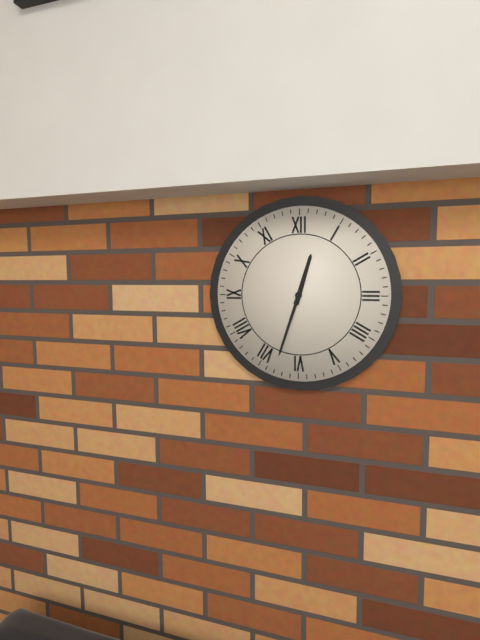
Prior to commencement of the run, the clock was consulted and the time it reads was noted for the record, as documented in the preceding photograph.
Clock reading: 12:33
